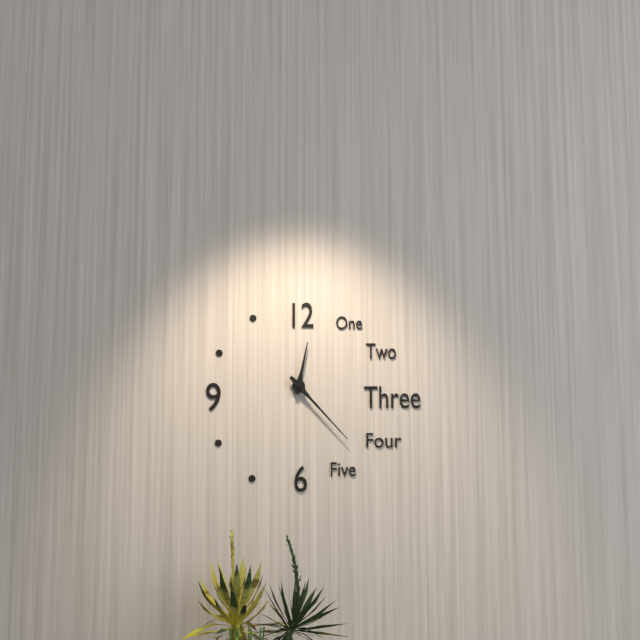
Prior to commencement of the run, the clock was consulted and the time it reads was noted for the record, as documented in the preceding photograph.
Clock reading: 12:23
